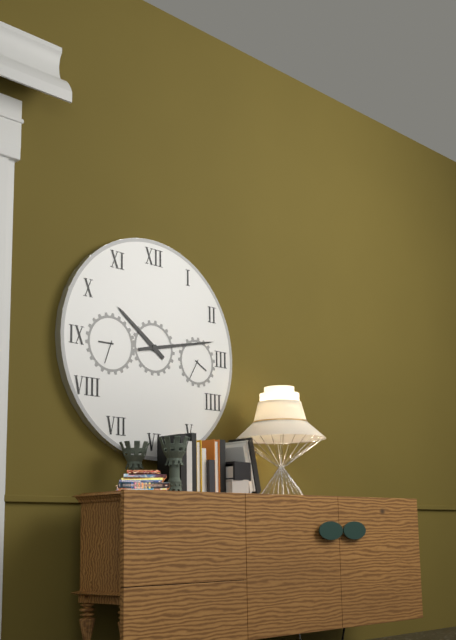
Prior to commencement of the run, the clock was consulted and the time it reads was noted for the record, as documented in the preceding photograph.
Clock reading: 10:13
